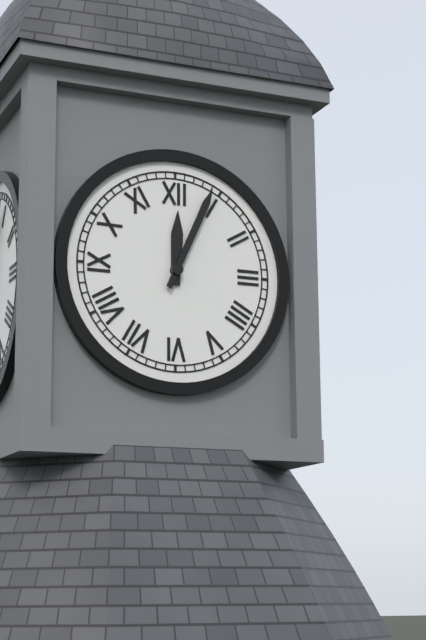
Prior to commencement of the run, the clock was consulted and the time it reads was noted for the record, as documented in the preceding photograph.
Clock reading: 12:04
